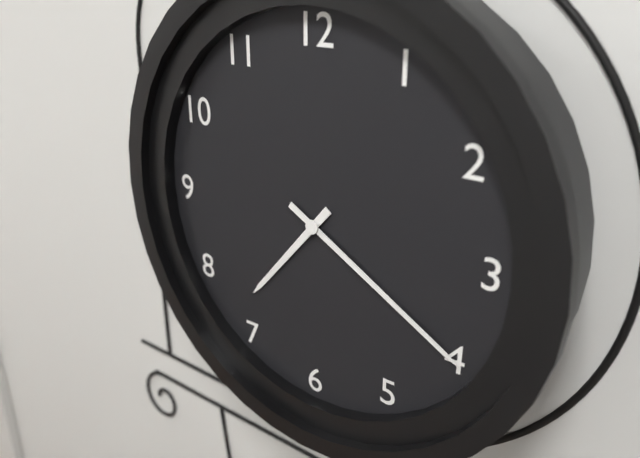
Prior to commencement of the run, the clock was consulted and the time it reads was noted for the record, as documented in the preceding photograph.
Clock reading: 7:20
